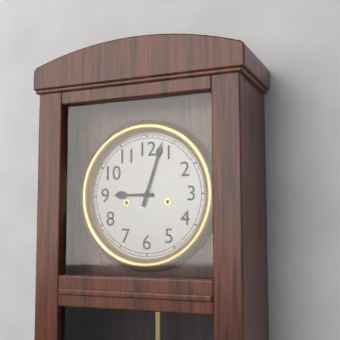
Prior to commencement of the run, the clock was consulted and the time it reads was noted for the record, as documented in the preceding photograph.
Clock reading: 9:03
